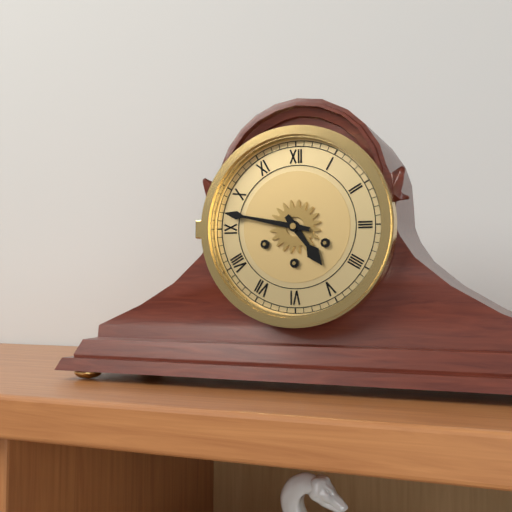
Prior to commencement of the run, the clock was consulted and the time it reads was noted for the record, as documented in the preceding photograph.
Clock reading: 4:47
